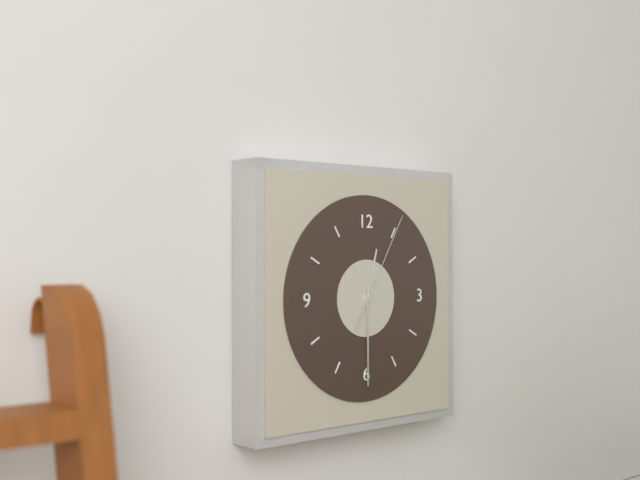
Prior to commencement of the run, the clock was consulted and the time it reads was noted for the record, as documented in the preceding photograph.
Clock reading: 12:30:05
